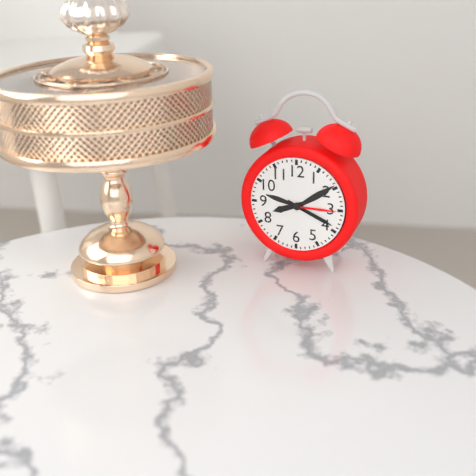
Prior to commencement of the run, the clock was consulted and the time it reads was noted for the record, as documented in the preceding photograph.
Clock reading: 8:19
